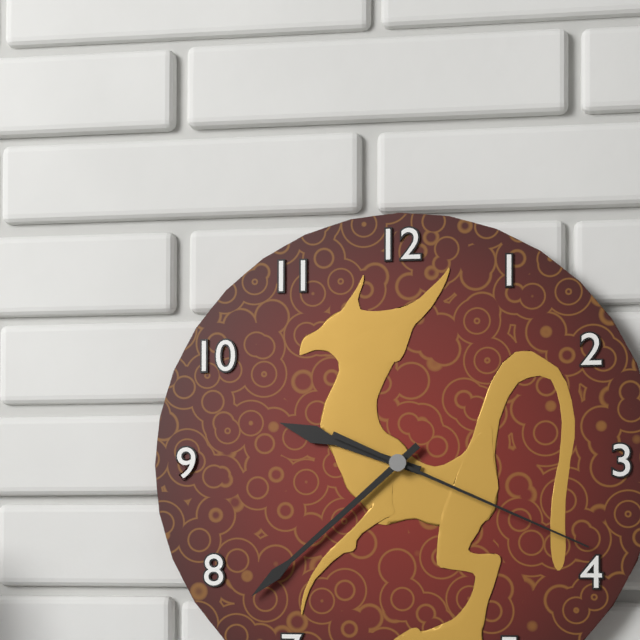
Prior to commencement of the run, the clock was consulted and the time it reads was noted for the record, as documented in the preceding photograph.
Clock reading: 9:38:19
